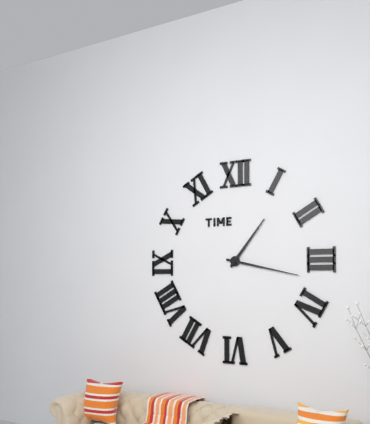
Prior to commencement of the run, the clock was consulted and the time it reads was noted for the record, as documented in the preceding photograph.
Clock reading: 1:17
